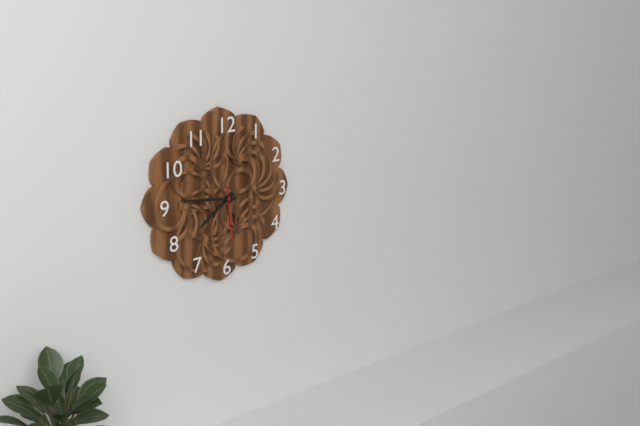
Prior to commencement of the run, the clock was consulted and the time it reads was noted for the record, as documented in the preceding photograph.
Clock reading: 7:46:29
